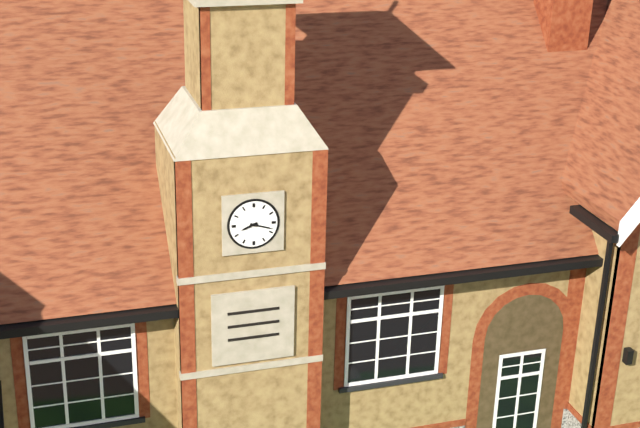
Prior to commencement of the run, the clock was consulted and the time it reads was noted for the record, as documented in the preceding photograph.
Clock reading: 8:18
